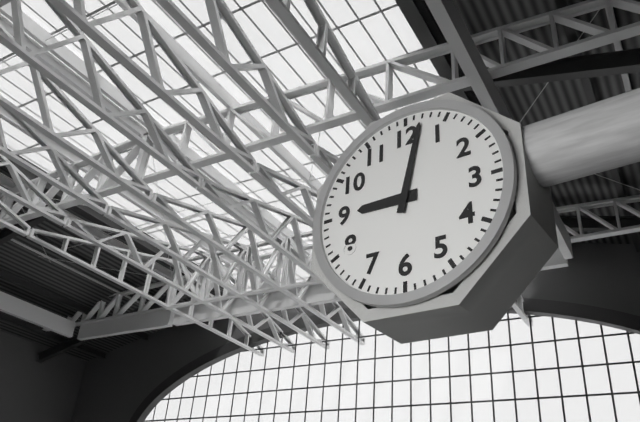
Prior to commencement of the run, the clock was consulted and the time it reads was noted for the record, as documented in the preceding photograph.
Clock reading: 9:02
